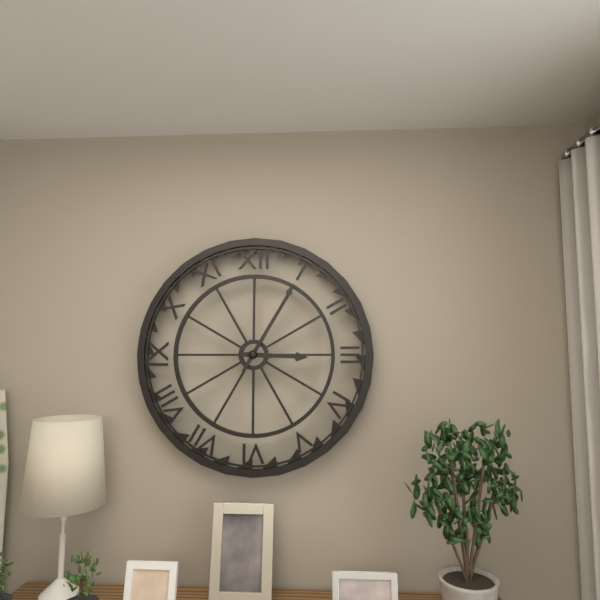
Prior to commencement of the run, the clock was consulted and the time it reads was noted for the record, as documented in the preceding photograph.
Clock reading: 3:05
